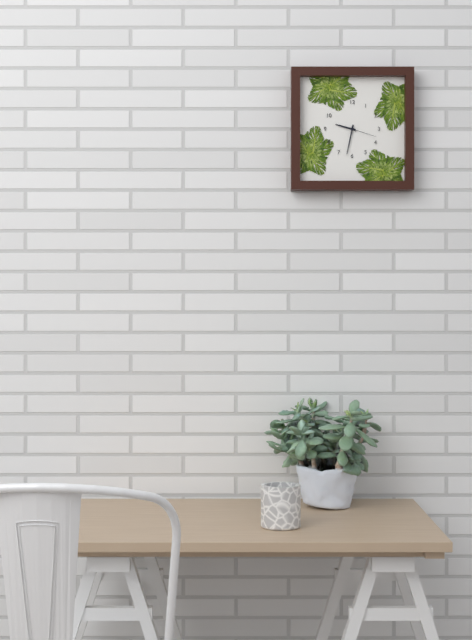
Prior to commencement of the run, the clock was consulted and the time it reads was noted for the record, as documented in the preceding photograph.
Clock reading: 9:32
